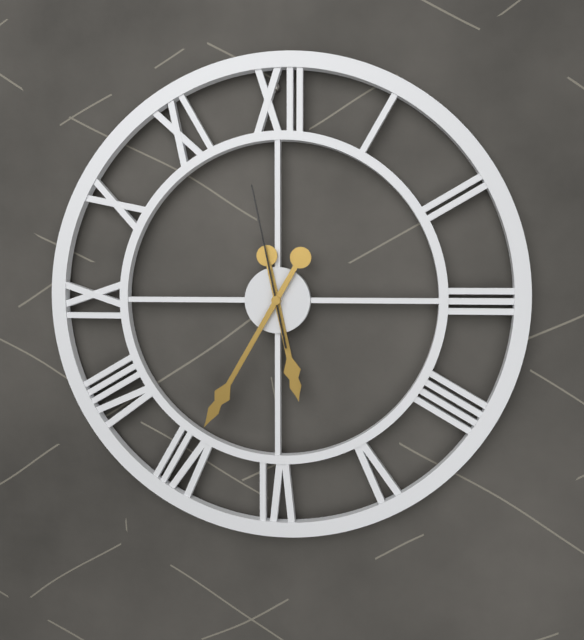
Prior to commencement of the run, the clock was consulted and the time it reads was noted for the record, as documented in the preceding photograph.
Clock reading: 5:35:58
